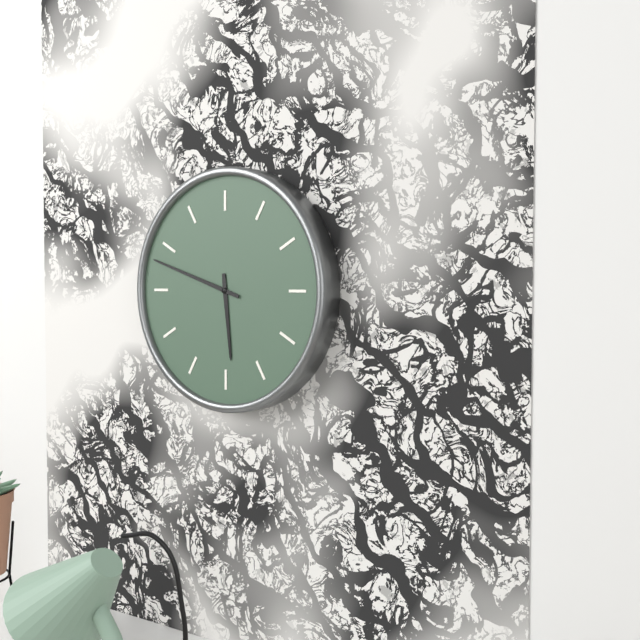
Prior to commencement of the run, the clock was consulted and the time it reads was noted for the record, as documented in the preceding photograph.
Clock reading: 5:48
